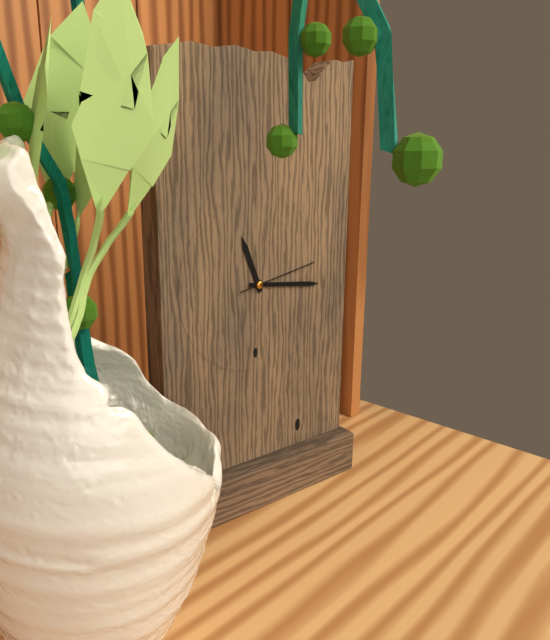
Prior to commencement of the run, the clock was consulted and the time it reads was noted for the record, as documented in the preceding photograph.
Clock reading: 11:16:13
